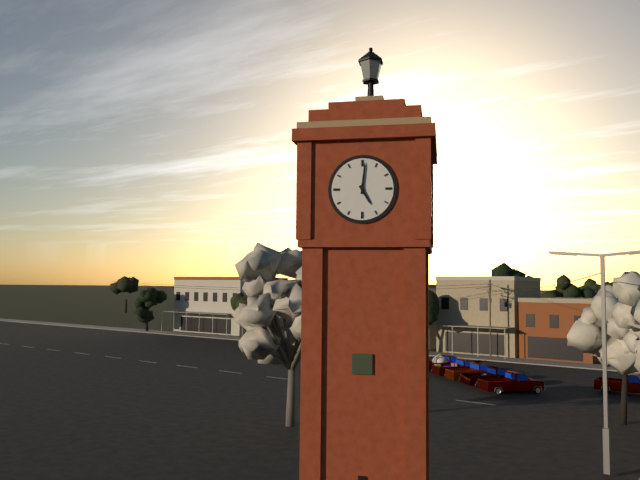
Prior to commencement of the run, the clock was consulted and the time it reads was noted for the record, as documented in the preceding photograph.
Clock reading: 5:01
